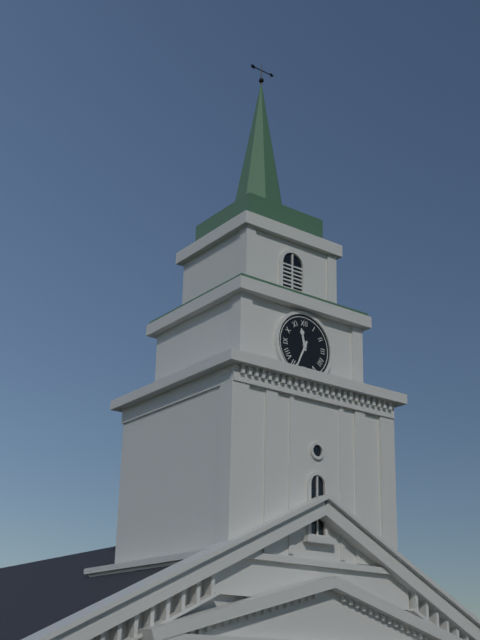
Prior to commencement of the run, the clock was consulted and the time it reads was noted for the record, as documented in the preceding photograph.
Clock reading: 11:34
